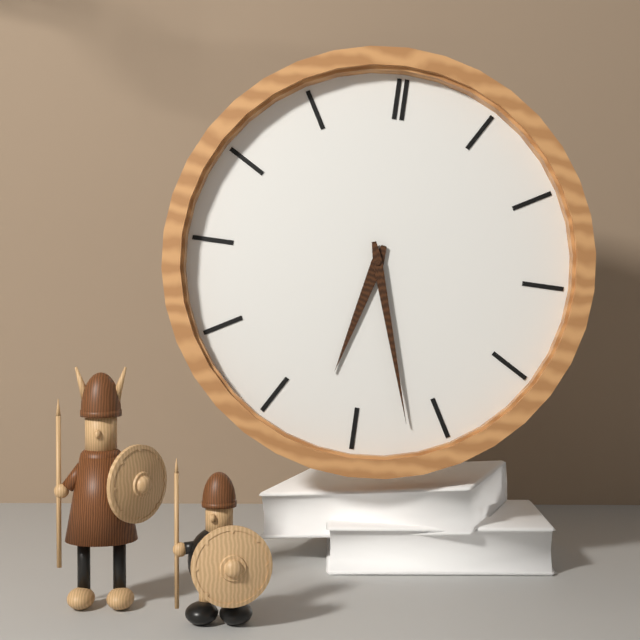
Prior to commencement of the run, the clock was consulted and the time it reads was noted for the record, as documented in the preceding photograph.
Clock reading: 6:27
